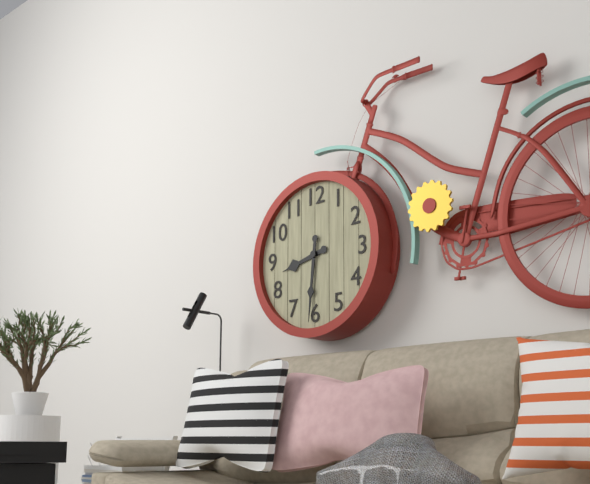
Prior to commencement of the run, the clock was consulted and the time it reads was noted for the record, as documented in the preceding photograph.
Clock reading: 8:31
